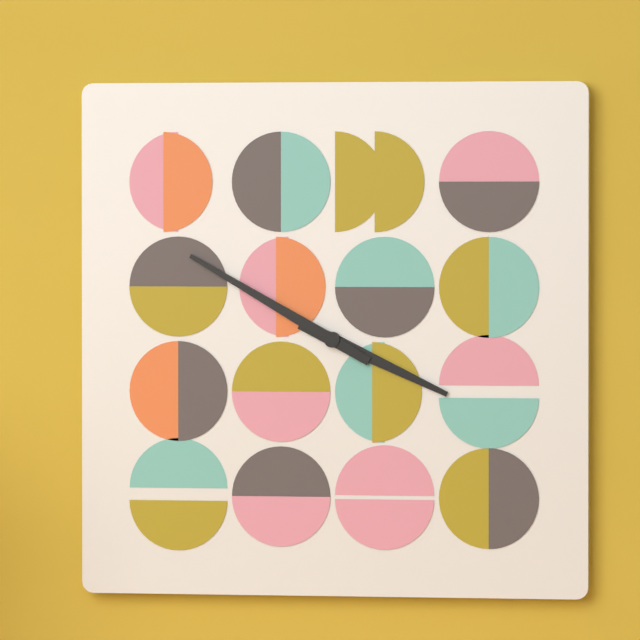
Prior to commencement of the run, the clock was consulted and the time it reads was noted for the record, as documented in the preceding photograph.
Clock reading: 3:50
